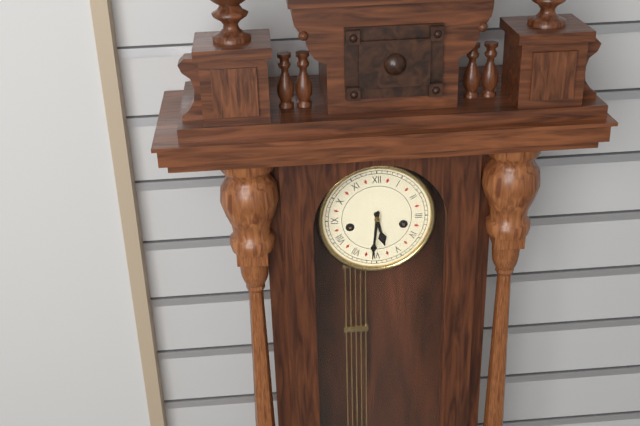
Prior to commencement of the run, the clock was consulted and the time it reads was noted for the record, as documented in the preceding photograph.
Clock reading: 5:31
